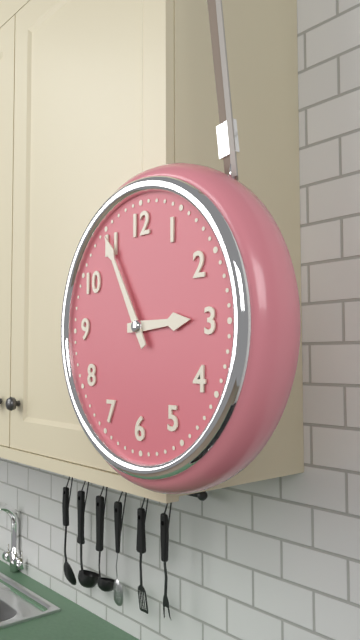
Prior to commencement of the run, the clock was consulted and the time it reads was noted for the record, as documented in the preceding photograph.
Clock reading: 2:55
